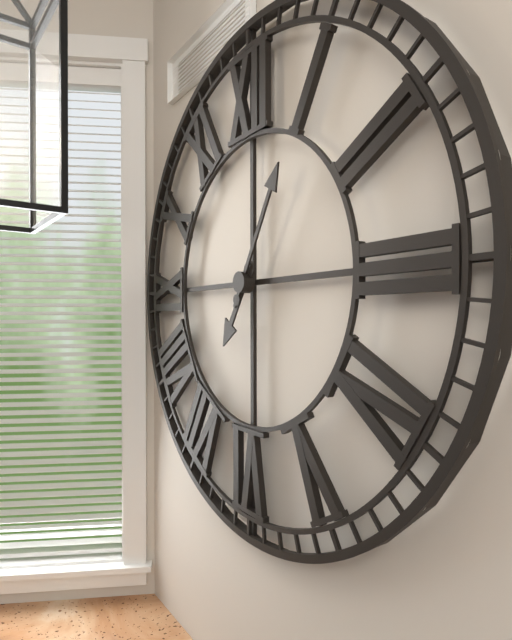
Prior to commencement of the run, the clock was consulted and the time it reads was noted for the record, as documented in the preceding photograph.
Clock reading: 7:05
